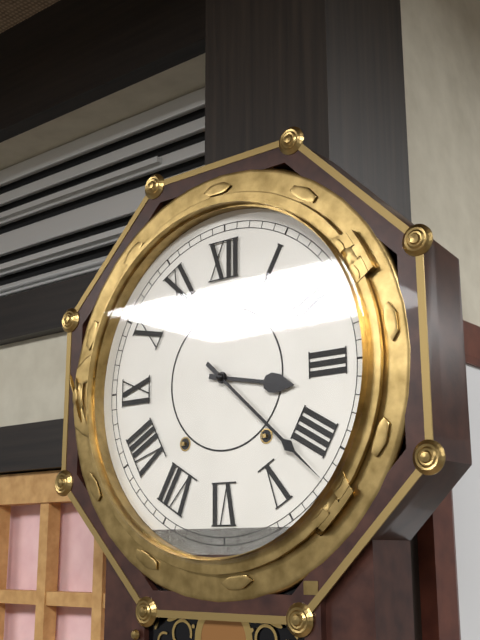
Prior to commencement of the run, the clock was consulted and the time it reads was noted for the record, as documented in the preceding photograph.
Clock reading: 3:22
